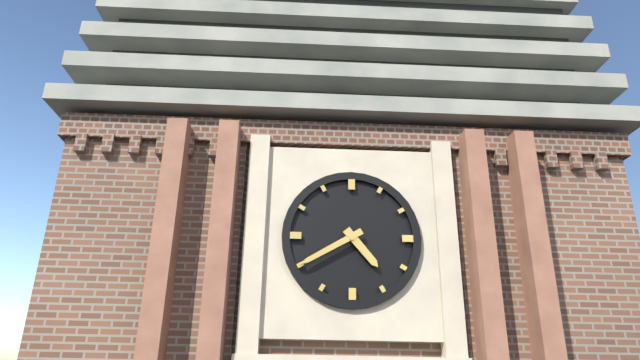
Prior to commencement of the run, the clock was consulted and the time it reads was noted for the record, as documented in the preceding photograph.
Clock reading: 4:40
